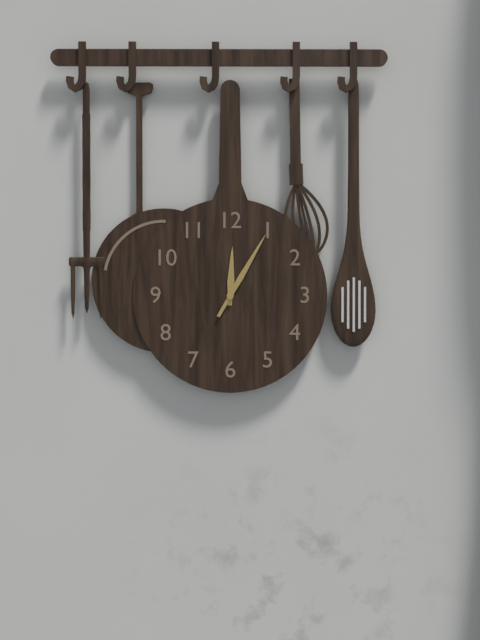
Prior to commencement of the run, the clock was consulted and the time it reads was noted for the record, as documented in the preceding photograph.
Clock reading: 12:05
